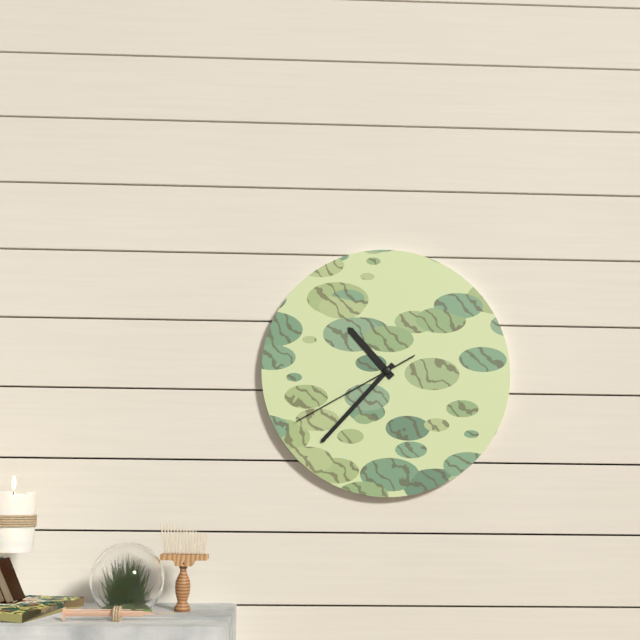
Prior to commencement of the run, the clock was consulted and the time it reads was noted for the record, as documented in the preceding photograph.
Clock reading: 10:37:40
